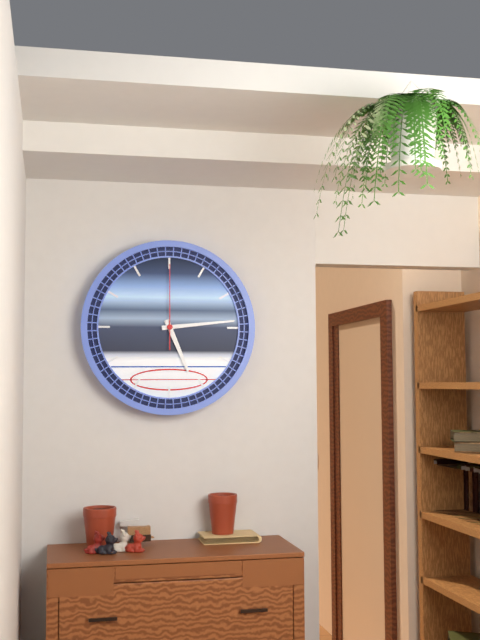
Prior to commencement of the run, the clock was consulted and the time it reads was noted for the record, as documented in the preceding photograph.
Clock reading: 5:14:00
